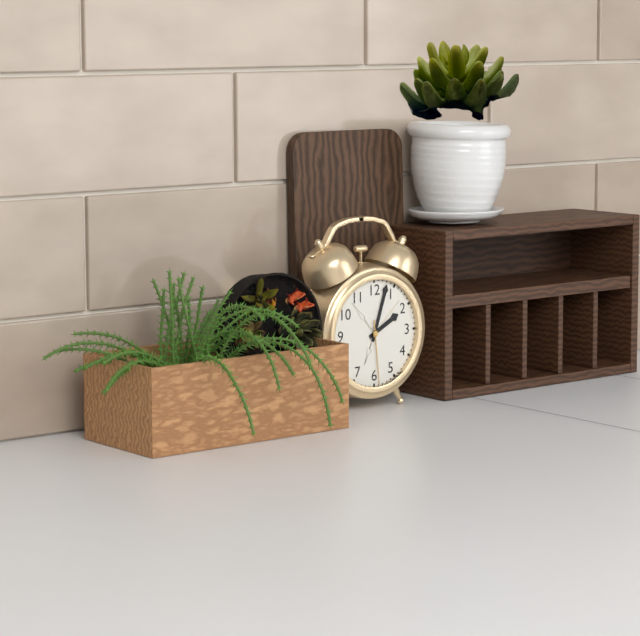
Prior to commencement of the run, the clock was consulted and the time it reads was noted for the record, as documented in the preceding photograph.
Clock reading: 2:03:29
